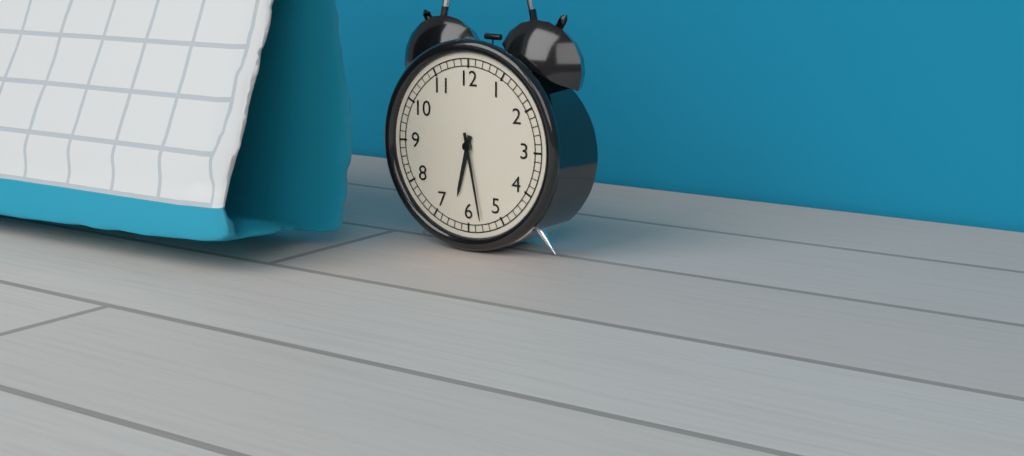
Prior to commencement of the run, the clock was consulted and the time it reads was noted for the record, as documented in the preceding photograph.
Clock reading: 6:28
